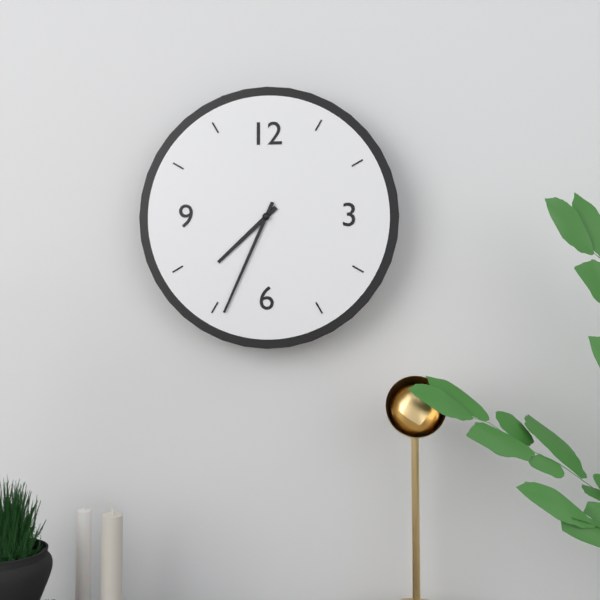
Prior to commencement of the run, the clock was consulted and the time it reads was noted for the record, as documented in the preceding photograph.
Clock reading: 7:34
